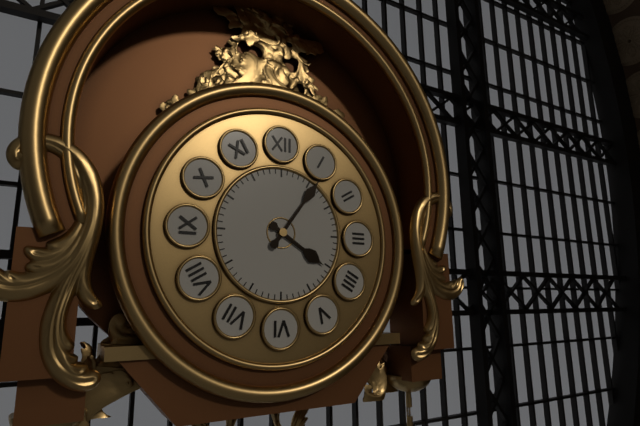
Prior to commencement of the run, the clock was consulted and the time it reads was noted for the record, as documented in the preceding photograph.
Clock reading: 4:06
